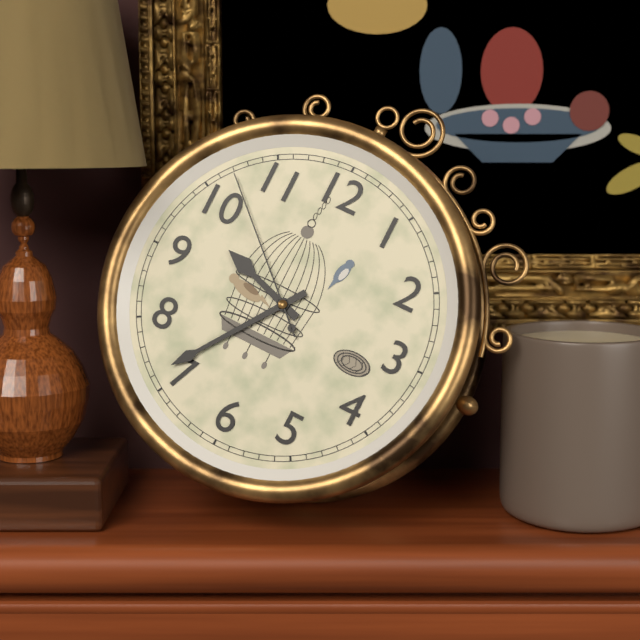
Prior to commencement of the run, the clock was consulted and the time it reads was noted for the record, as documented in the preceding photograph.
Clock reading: 9:36:52
